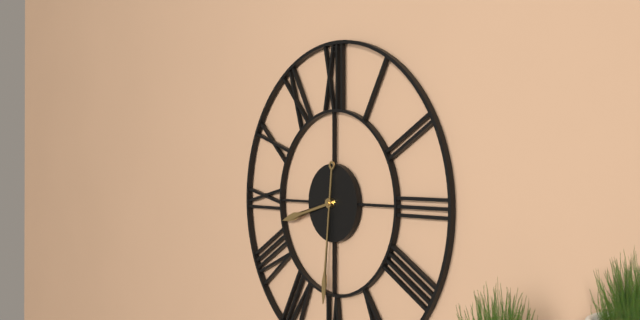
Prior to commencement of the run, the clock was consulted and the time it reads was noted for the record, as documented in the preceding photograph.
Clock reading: 8:31
